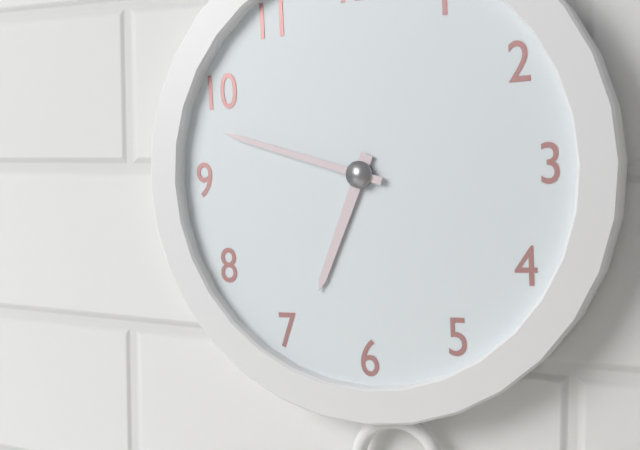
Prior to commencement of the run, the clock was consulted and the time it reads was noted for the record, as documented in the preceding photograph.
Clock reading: 6:48
